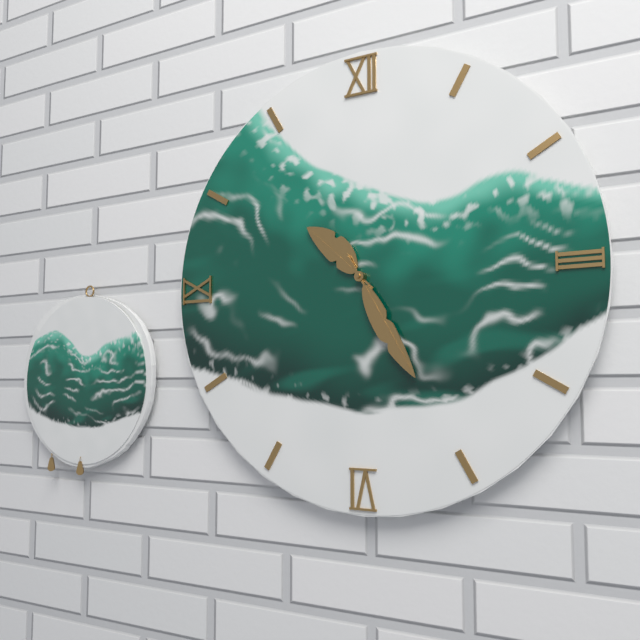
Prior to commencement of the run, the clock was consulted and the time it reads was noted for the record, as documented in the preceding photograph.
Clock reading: 10:25
